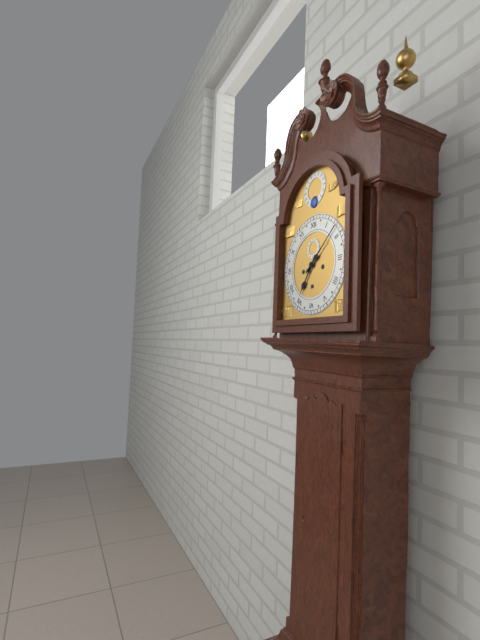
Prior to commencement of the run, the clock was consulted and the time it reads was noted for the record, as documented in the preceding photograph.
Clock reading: 7:08
